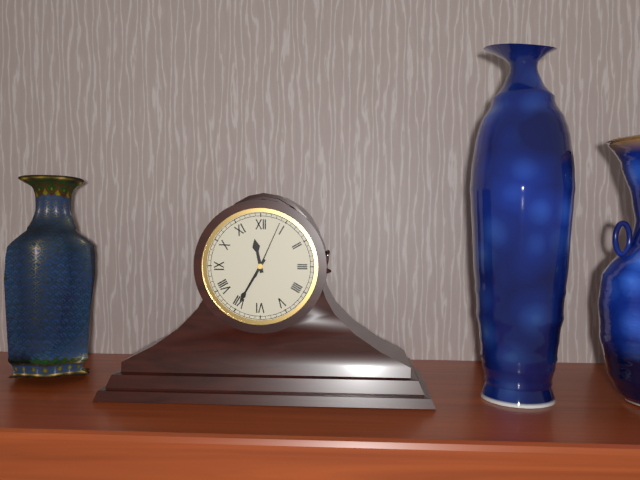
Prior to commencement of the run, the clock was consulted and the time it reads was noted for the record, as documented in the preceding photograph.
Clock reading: 11:35:04
